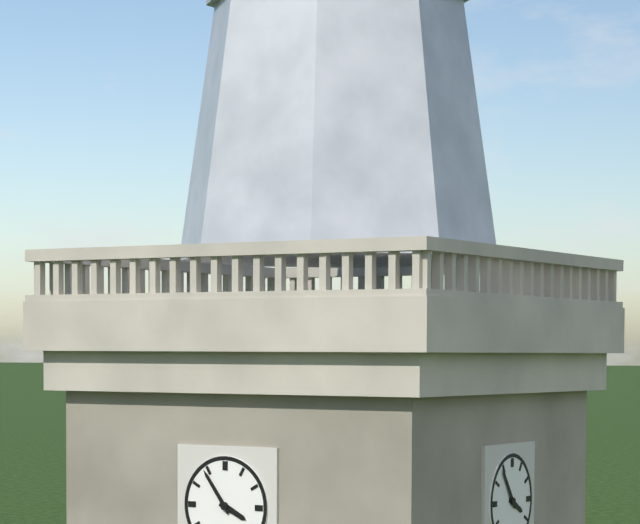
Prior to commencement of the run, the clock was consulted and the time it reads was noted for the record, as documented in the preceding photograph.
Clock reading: 3:54
